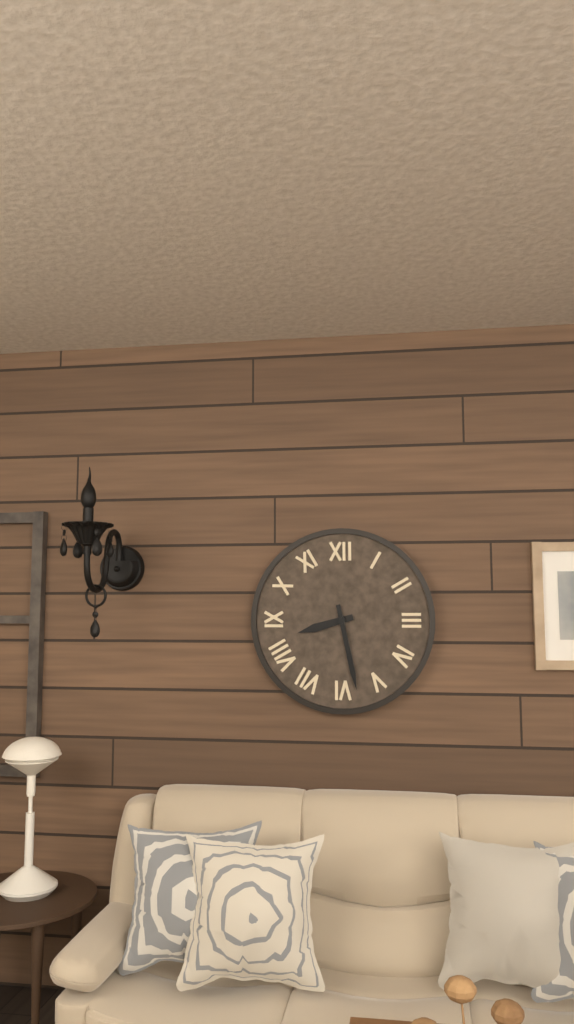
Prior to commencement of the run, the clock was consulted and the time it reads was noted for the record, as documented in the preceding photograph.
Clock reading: 8:28
